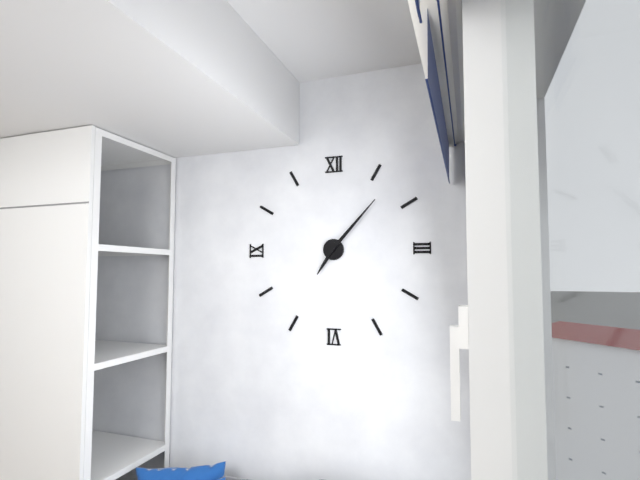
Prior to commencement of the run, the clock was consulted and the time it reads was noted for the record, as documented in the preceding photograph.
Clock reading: 7:07
